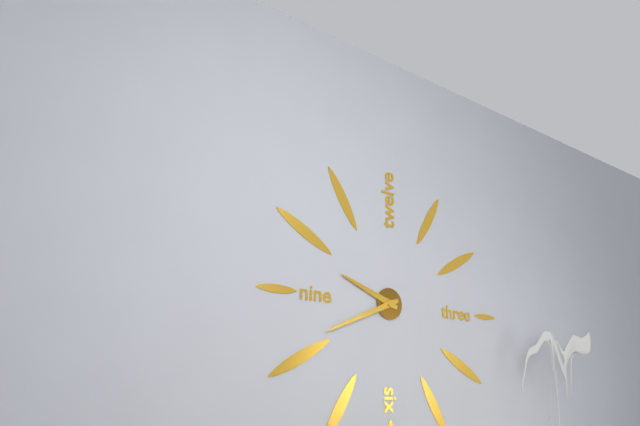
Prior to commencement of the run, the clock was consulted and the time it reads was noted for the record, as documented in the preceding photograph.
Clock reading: 9:41
